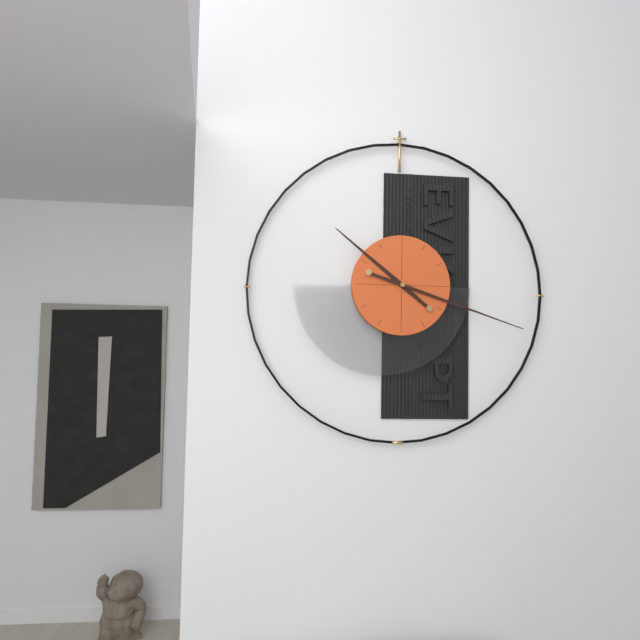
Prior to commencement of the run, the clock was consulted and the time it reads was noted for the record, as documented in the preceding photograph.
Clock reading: 10:18
